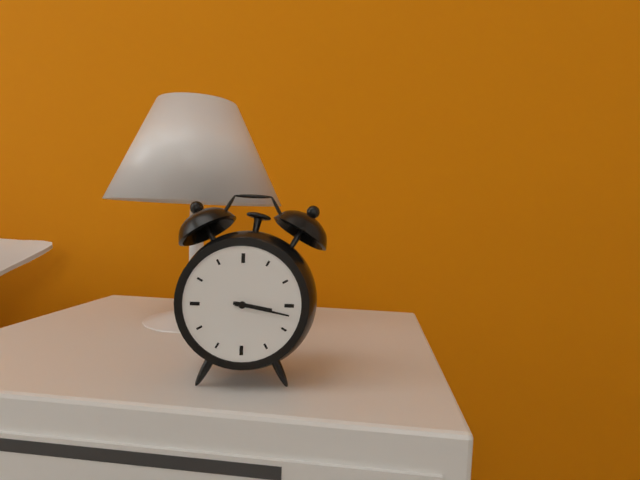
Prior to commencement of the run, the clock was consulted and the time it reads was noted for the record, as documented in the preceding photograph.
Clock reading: 3:17
